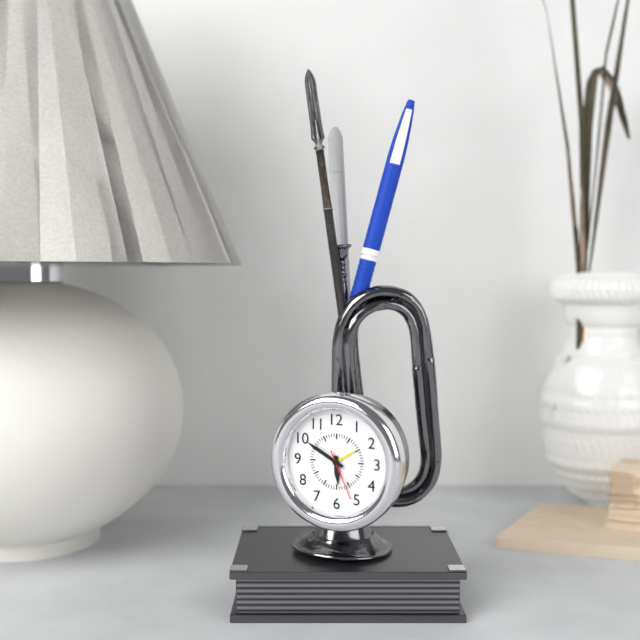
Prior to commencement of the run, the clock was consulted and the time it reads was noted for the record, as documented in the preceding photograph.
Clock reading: 5:50:26
